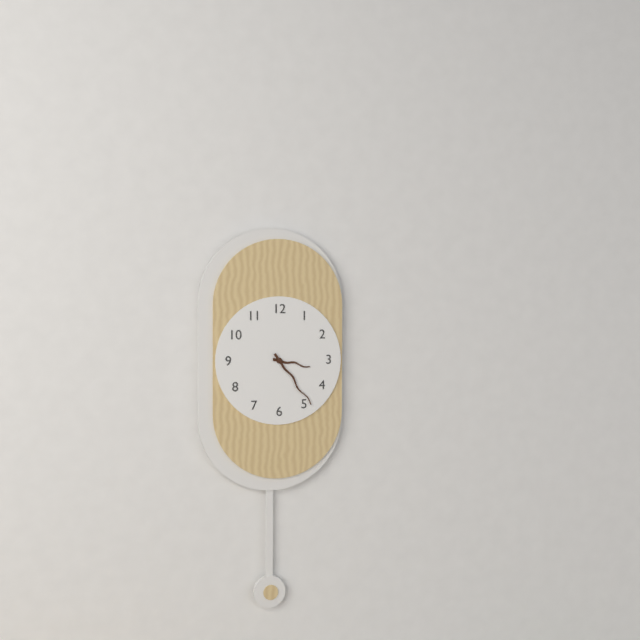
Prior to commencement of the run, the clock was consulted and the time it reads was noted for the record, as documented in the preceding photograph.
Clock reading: 3:24
